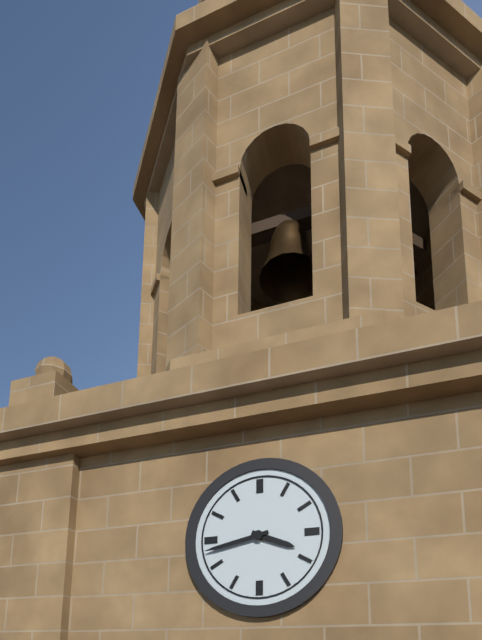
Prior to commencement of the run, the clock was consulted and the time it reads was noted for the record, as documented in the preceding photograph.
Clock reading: 3:43
